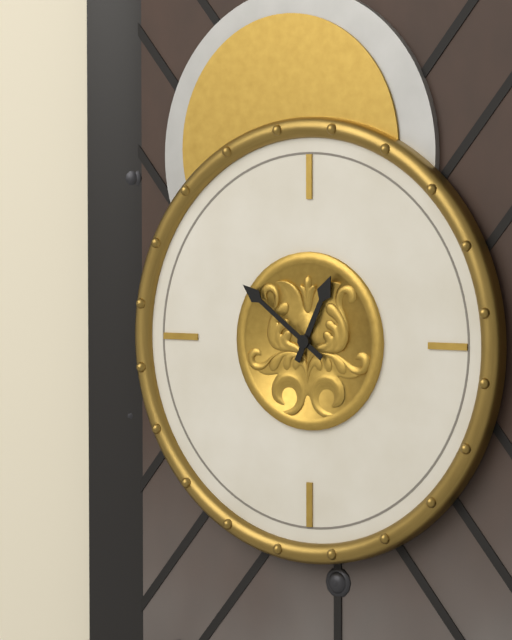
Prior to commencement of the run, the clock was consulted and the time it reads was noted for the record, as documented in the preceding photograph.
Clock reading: 12:51
